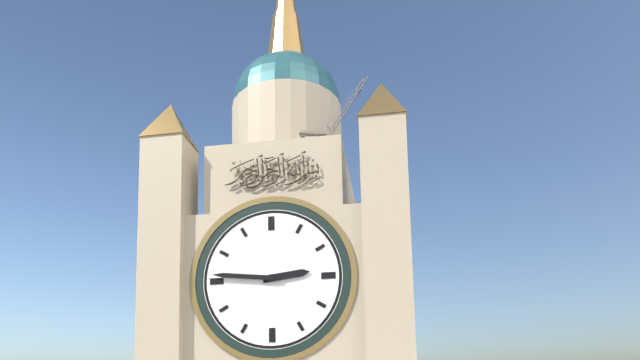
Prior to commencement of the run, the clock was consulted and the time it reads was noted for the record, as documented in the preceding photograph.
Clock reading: 2:46
